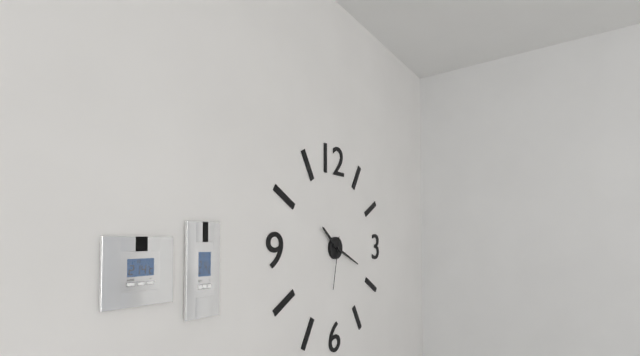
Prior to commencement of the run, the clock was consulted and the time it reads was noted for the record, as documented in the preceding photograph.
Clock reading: 10:19:32
